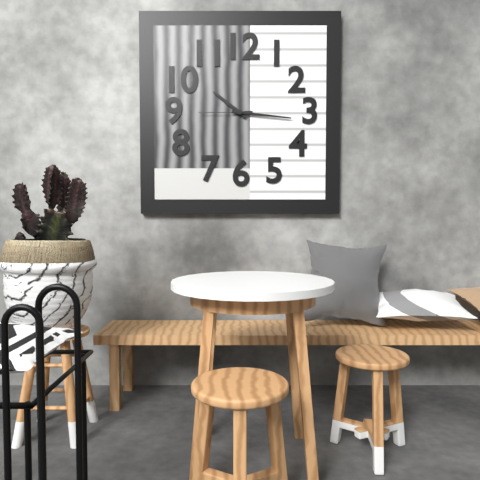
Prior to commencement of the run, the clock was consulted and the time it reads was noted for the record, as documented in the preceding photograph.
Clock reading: 10:16:45
